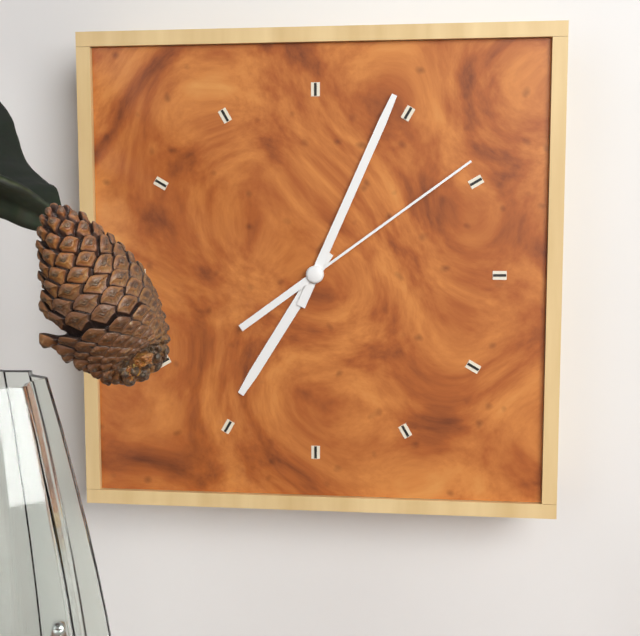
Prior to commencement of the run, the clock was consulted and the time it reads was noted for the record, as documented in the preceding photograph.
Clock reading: 7:04:09
